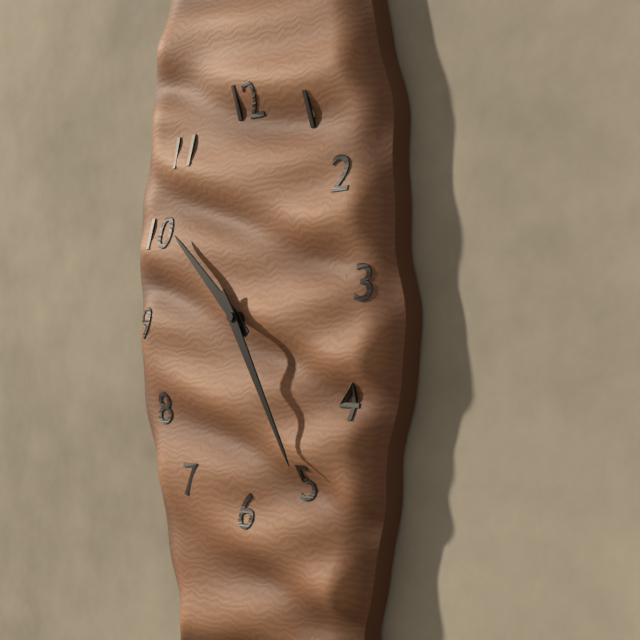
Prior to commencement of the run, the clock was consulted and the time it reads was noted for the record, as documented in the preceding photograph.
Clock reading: 10:25
